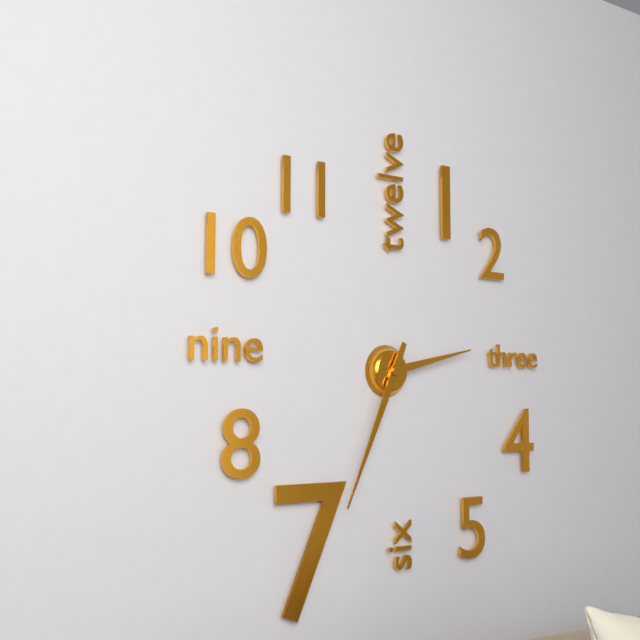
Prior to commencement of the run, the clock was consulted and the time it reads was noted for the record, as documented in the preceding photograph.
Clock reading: 2:34
